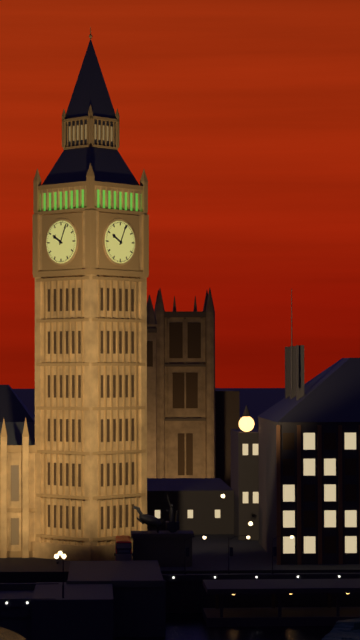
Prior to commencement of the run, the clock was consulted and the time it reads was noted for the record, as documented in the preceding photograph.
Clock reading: 10:04
